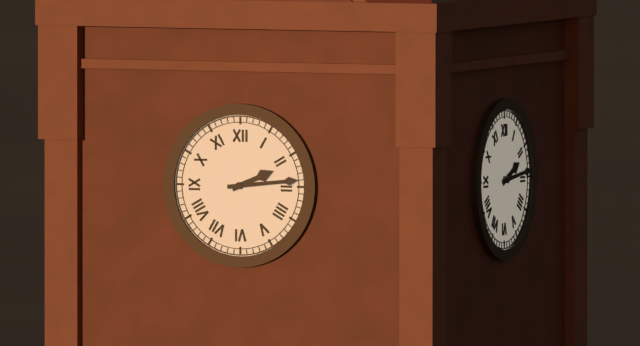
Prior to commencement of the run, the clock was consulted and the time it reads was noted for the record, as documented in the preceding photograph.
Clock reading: 2:14
